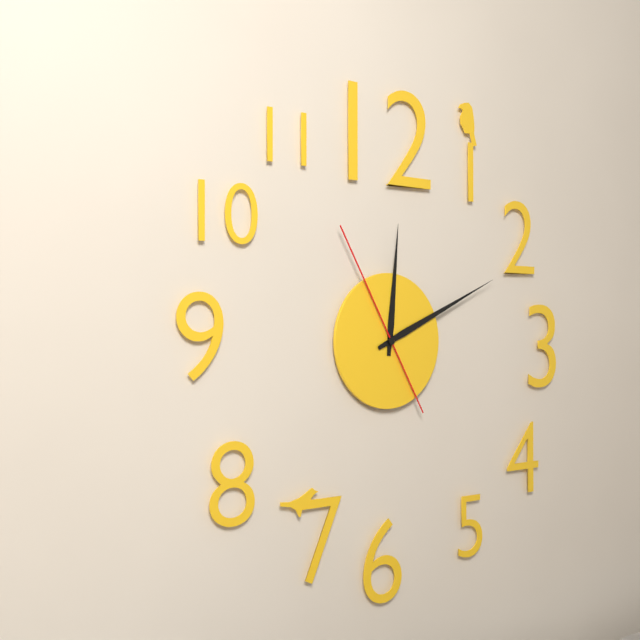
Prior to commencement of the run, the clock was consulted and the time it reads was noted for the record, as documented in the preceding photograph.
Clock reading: 12:11:55
